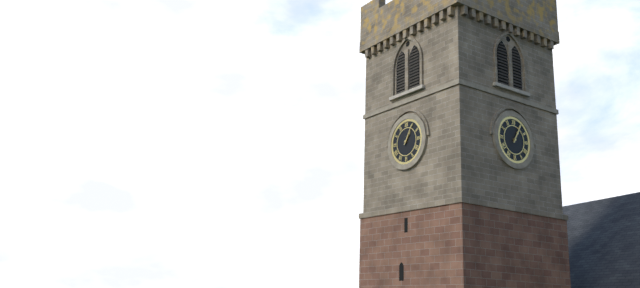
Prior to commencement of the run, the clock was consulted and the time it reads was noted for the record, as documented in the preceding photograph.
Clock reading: 1:05
